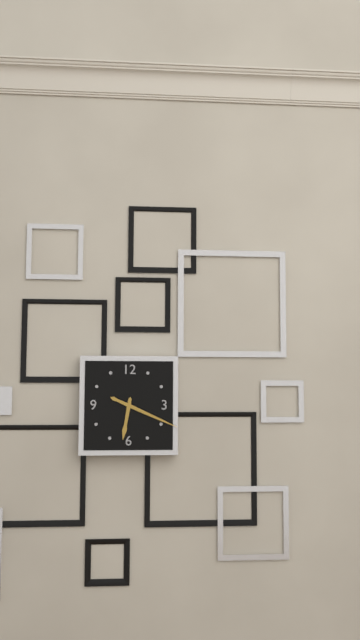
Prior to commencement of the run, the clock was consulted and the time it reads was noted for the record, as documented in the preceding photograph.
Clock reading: 6:19
